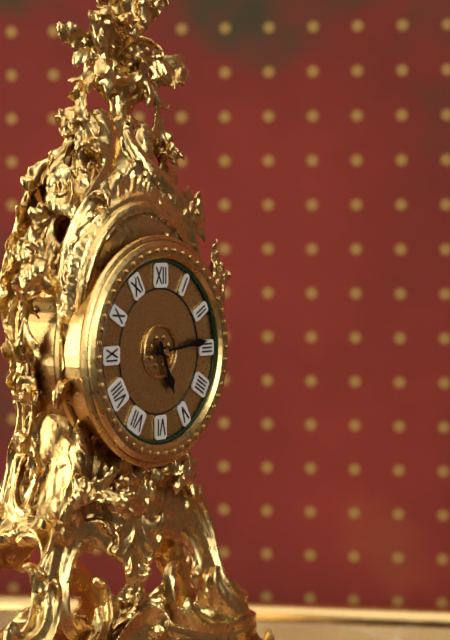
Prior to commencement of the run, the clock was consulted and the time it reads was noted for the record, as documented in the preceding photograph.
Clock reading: 5:14
